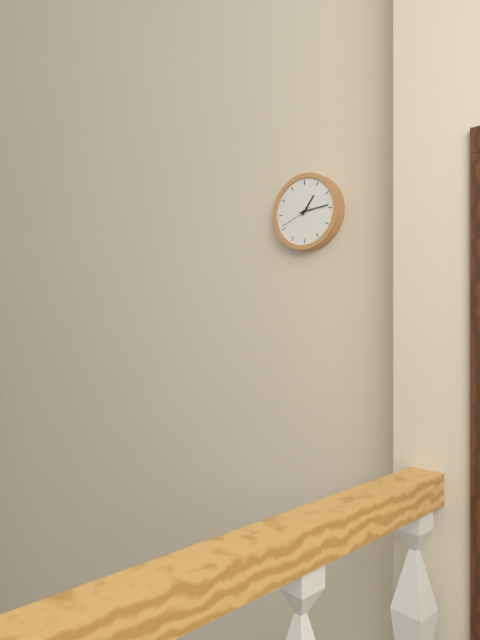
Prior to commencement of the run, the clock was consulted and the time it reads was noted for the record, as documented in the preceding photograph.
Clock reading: 1:14
